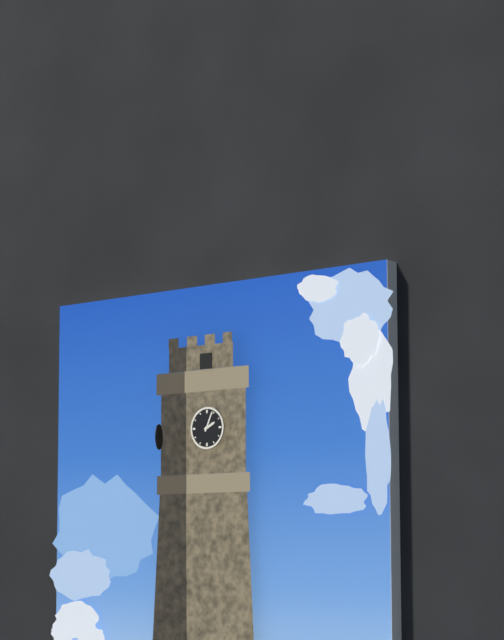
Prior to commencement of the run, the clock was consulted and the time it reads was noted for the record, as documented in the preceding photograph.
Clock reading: 2:04
